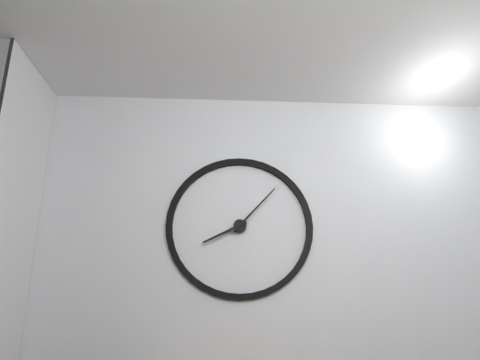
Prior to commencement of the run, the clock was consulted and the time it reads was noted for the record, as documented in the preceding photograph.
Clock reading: 8:07
